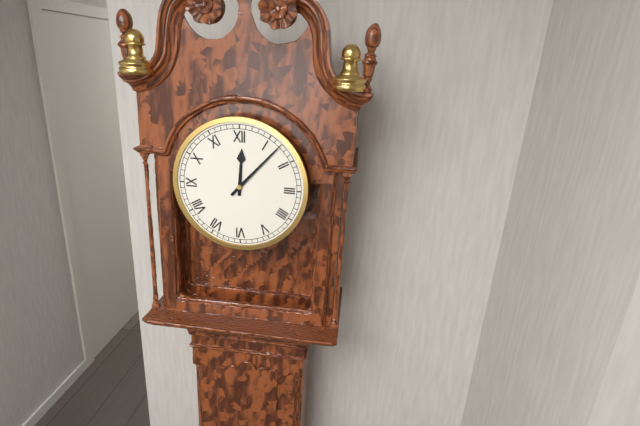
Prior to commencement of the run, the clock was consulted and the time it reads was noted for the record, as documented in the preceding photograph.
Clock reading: 12:07
